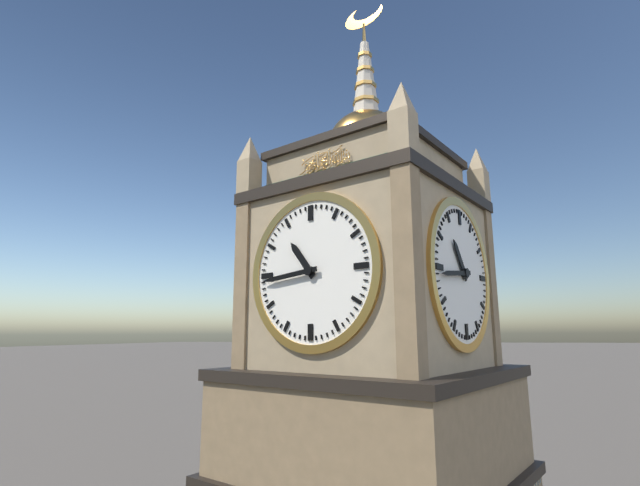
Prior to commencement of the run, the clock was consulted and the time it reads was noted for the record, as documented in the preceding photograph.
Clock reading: 10:44
